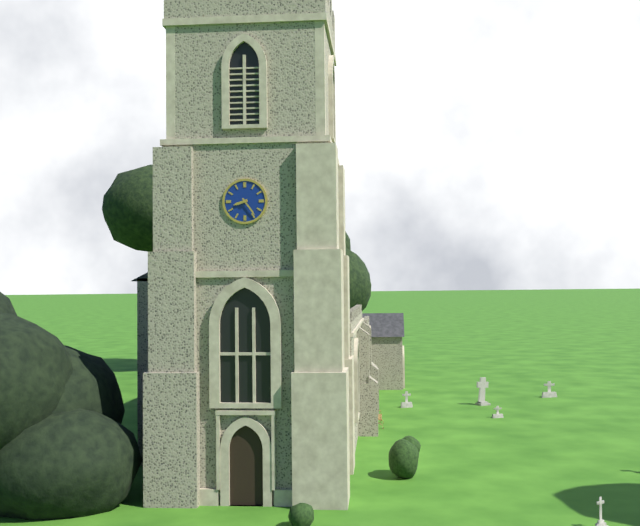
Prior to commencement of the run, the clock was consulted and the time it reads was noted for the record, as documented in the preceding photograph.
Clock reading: 8:24
